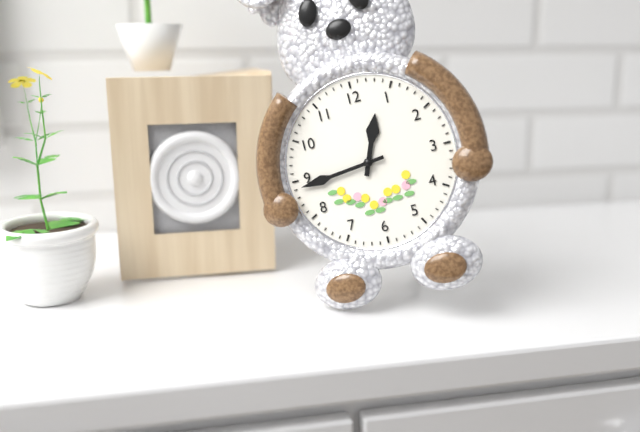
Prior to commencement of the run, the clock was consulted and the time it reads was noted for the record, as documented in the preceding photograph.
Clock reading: 12:44
